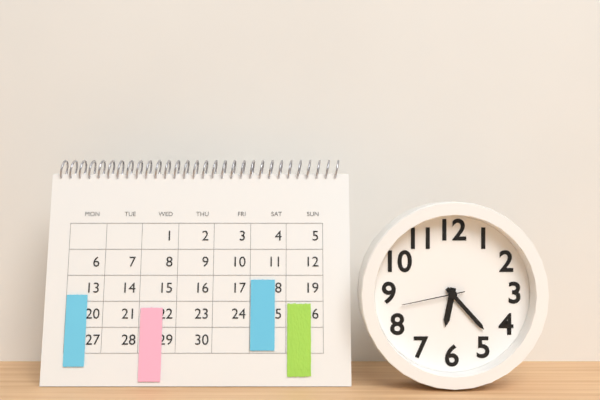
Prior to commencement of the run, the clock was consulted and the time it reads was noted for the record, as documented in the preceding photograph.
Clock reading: 6:23:43
